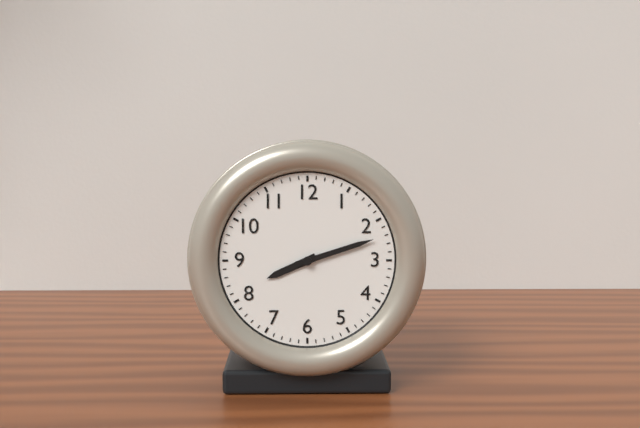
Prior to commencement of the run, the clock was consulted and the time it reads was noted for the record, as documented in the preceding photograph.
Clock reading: 8:12
